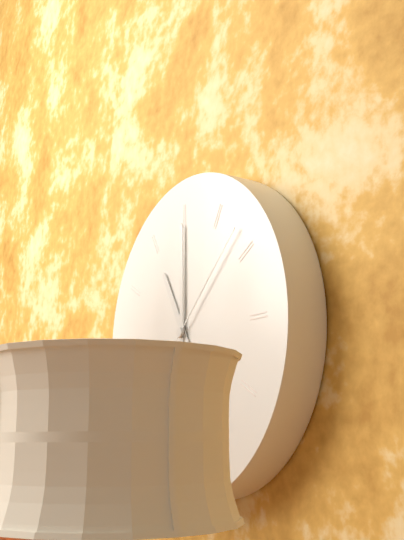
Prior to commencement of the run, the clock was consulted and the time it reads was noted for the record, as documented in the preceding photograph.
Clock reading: 11:00:08
